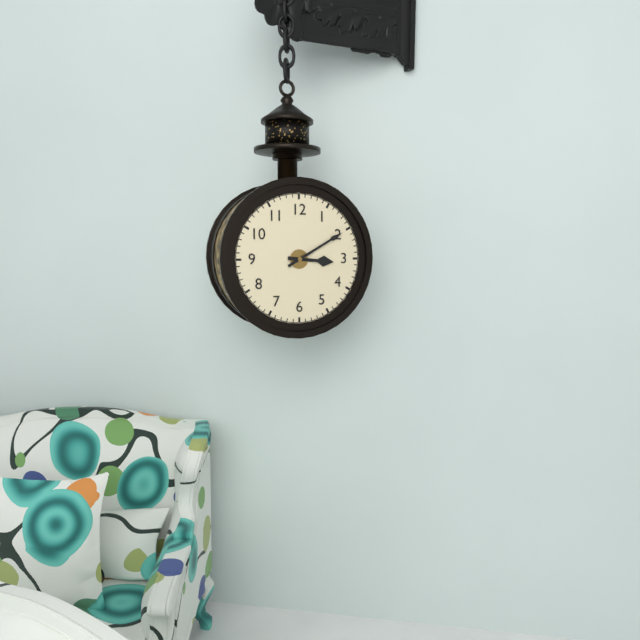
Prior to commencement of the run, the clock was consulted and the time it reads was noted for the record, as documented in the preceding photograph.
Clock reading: 3:10
